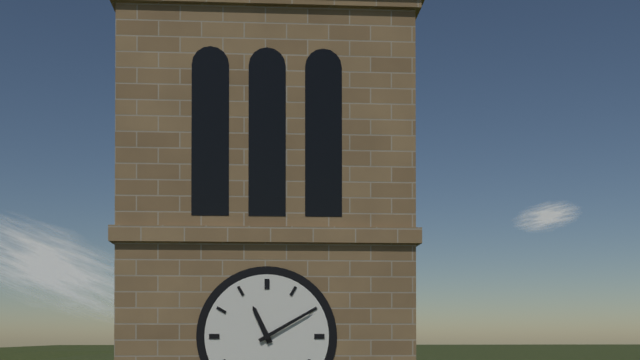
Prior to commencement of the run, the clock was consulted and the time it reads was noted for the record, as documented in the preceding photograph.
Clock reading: 11:10
